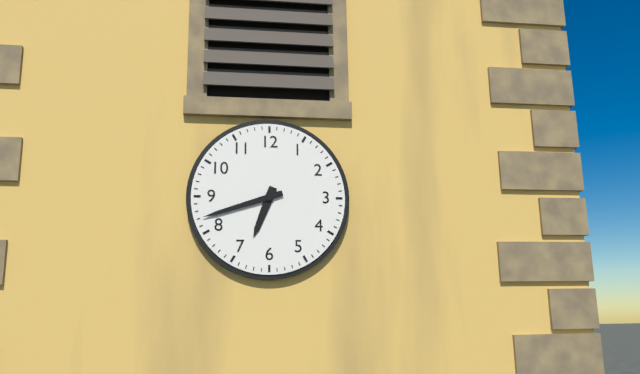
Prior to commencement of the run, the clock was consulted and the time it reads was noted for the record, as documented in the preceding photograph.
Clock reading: 6:42
